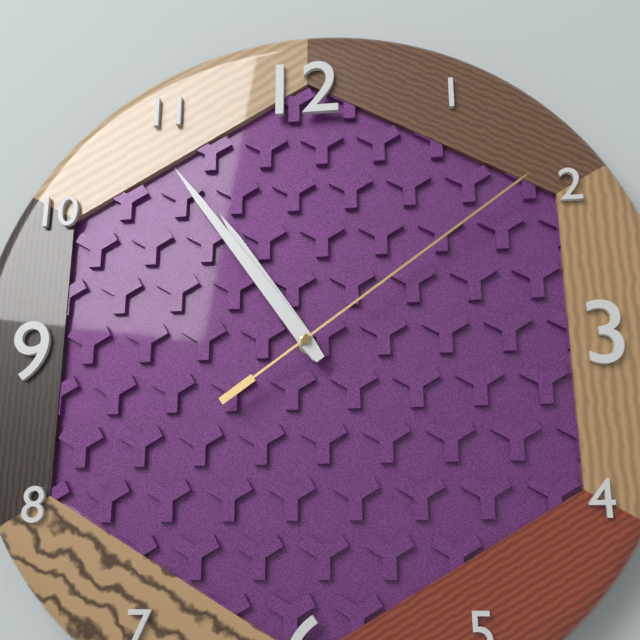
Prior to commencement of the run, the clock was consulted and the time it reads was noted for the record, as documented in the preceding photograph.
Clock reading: 10:54:09
